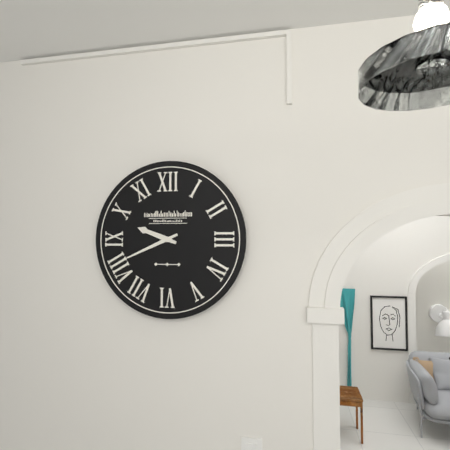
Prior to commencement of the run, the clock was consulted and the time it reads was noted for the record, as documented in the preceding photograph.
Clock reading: 9:41
